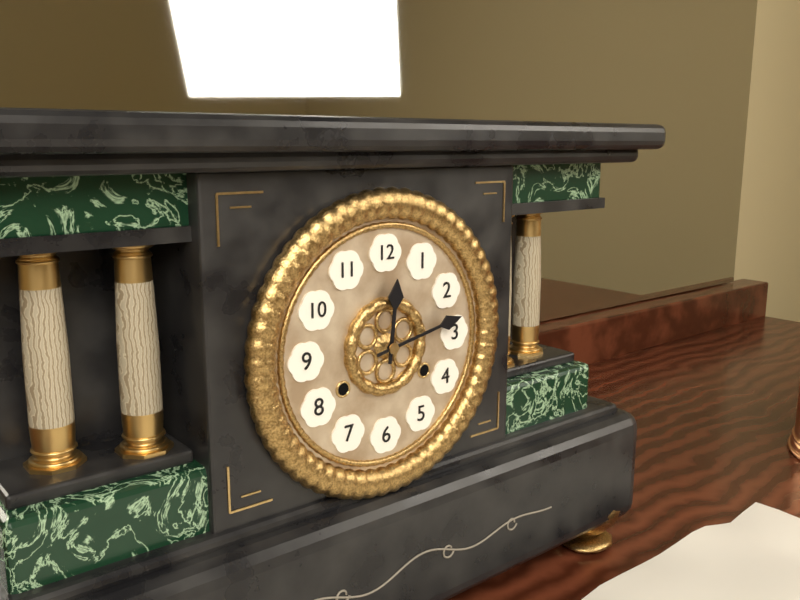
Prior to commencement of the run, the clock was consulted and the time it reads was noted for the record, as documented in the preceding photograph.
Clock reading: 12:13
